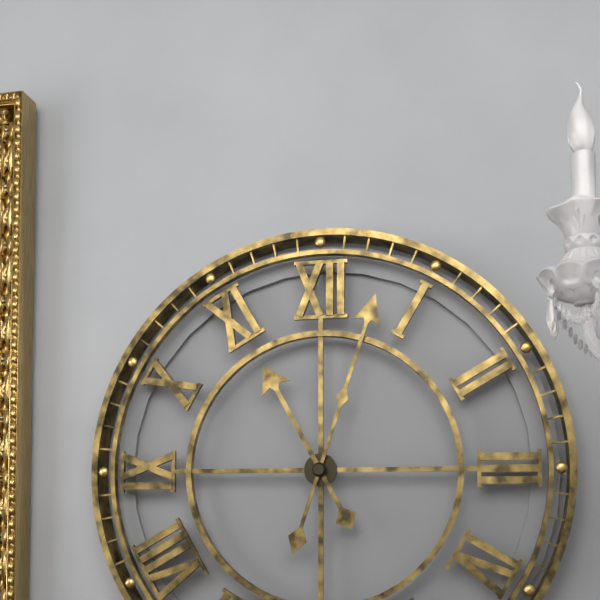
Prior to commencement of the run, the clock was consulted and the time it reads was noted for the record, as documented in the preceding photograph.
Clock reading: 11:03
